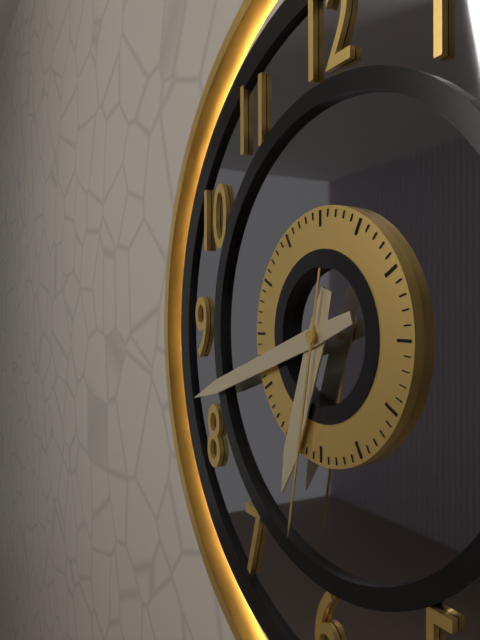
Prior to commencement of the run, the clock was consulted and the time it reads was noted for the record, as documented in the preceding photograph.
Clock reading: 6:42:32
